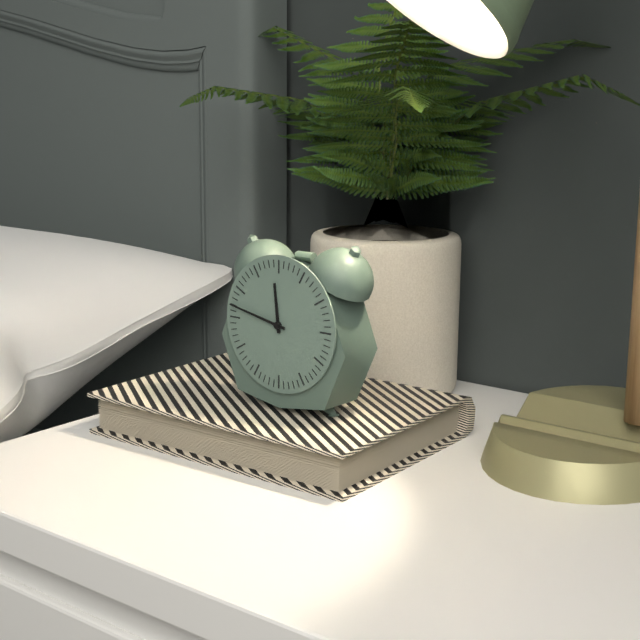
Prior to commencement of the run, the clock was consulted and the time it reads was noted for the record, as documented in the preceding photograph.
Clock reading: 11:47
